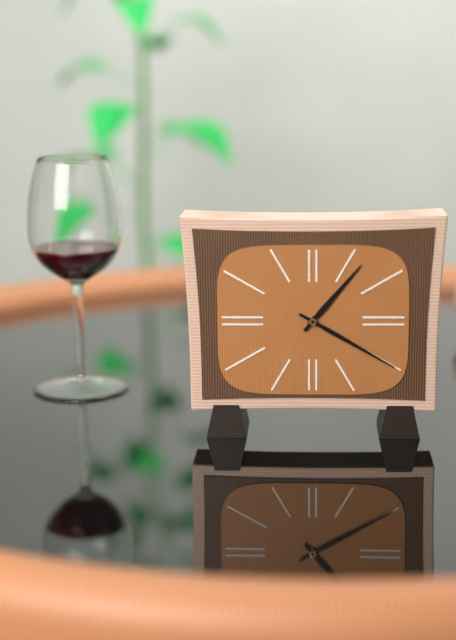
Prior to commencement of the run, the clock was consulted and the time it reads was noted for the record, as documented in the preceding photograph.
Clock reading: 1:20
